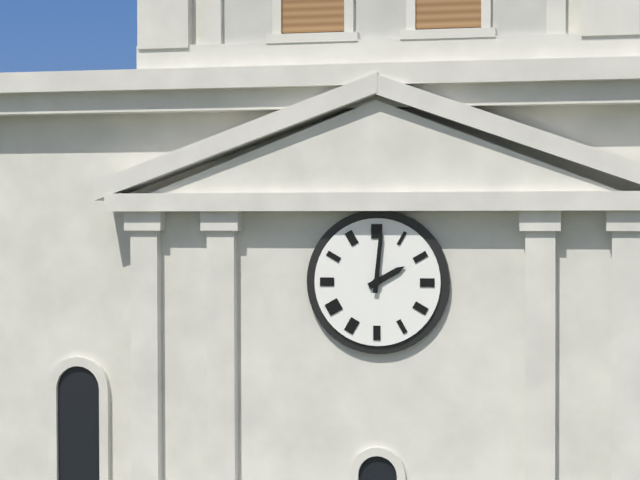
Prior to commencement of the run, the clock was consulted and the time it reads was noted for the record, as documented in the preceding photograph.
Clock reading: 2:01
